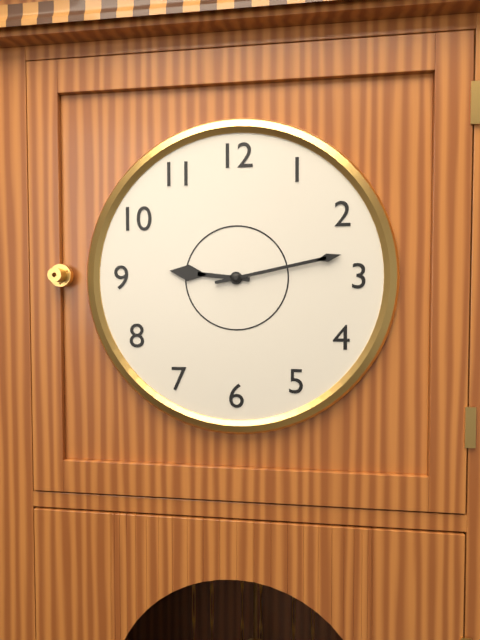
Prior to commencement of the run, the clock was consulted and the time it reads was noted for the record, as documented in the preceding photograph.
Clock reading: 9:13
